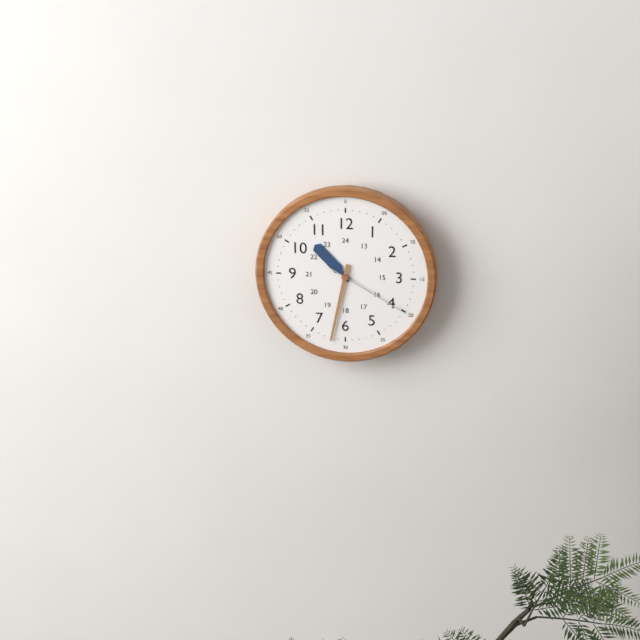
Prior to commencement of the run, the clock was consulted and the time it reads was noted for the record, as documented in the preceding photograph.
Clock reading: 10:32:20
